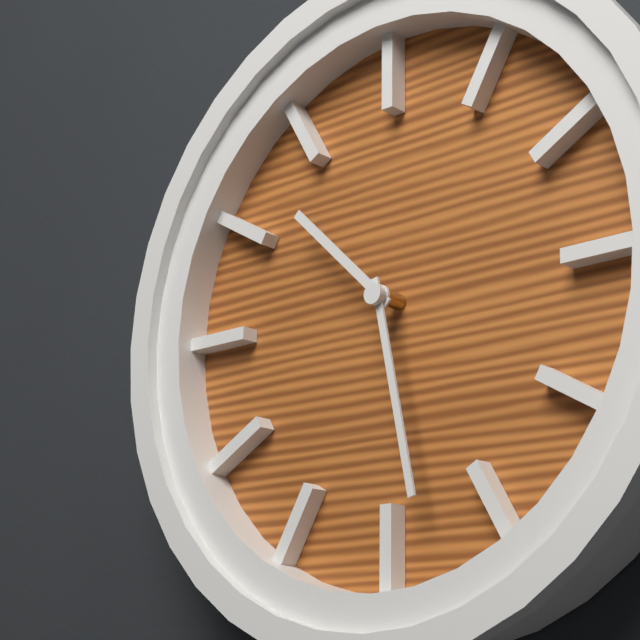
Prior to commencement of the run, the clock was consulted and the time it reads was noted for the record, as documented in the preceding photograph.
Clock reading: 10:28
